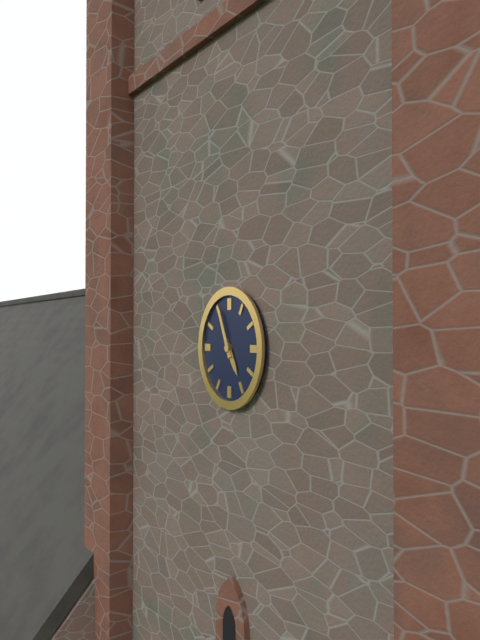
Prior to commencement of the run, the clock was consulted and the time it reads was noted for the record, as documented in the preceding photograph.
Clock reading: 4:56
